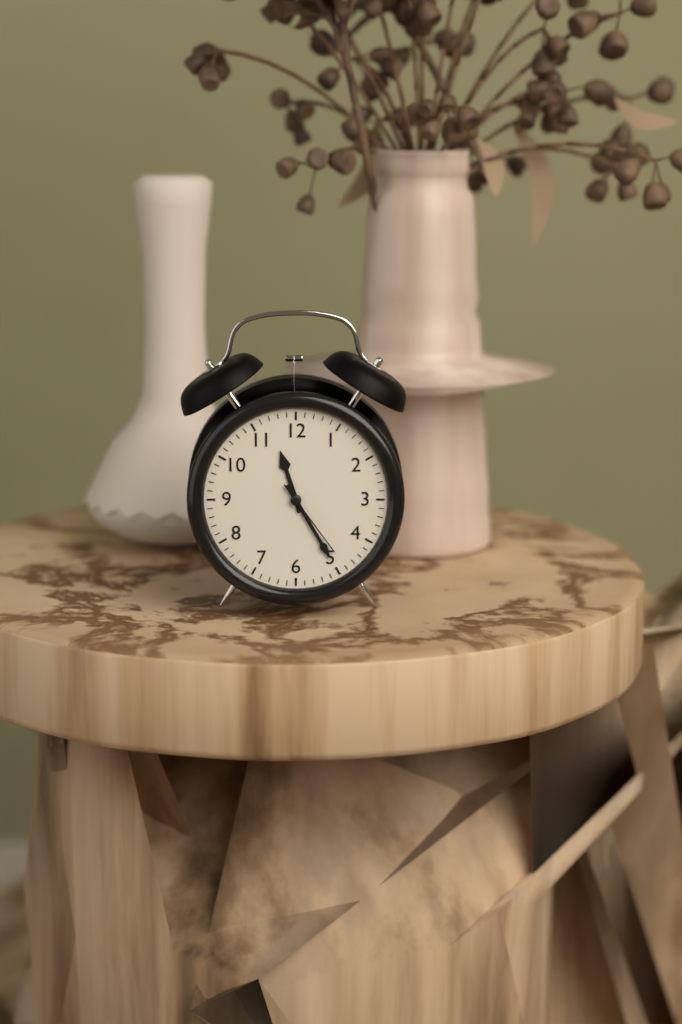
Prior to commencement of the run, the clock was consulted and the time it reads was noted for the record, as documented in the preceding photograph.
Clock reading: 11:25:24
